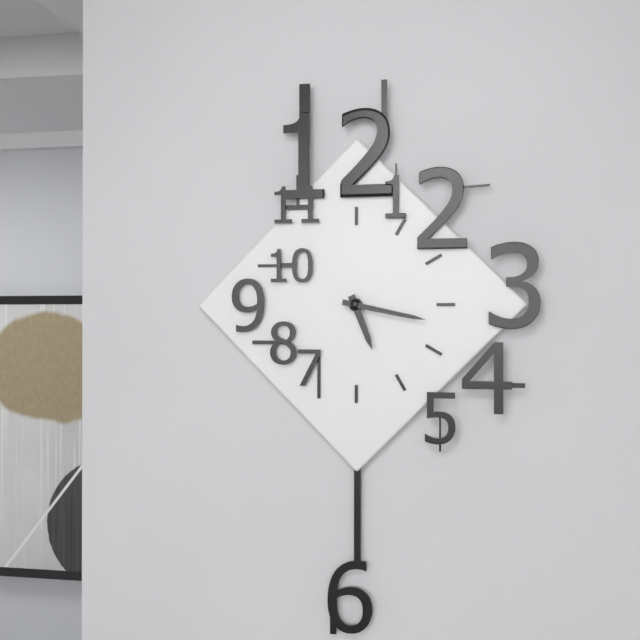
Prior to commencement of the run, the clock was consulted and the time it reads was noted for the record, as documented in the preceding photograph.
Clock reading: 5:17
